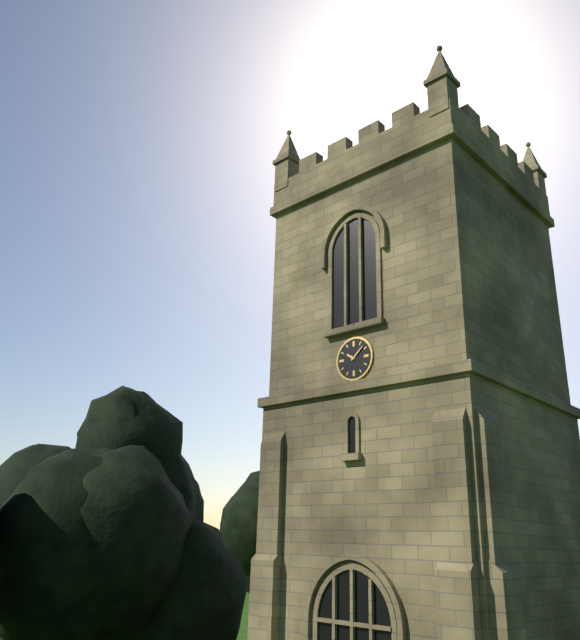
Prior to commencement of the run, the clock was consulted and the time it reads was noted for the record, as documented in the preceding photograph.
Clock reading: 10:08
